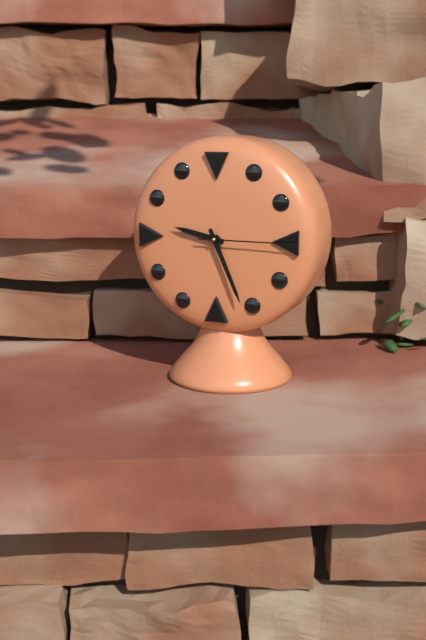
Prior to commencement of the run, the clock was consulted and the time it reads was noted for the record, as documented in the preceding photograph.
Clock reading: 9:26:15
